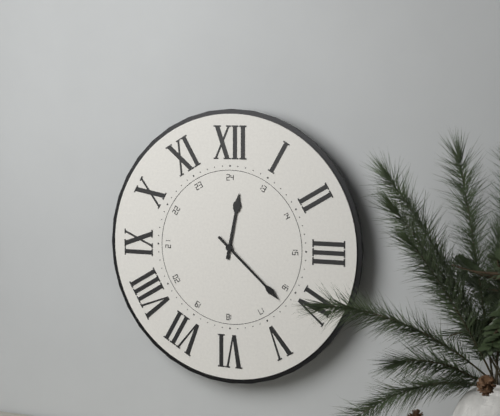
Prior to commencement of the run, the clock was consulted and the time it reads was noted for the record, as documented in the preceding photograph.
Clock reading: 12:22
